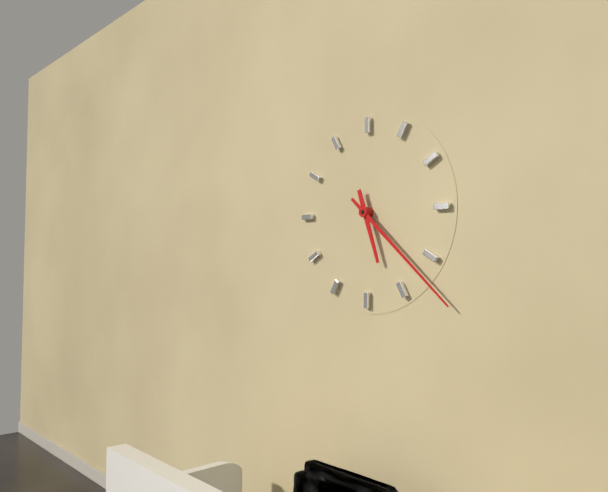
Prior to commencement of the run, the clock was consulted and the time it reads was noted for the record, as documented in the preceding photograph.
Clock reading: 5:22
